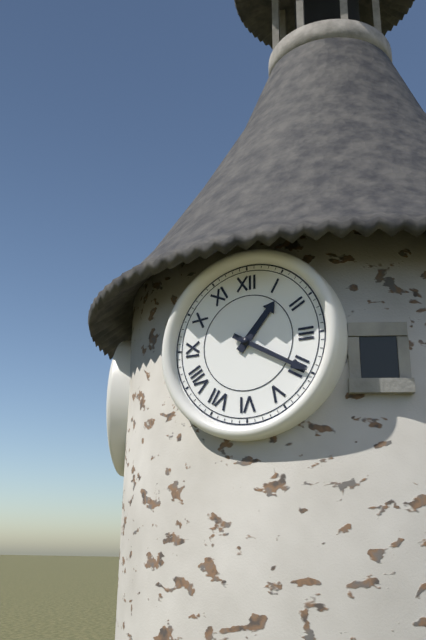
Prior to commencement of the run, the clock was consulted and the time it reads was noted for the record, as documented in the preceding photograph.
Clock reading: 1:20
